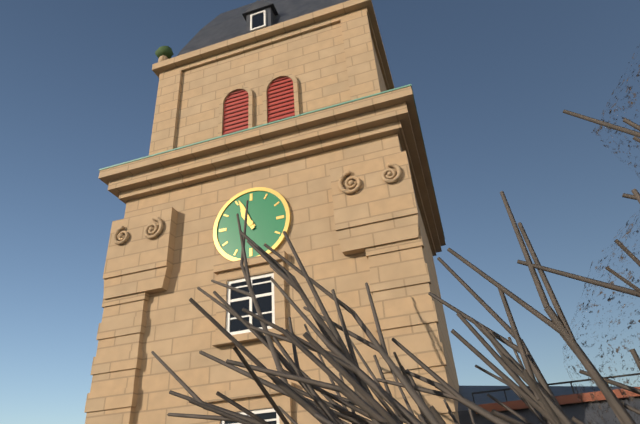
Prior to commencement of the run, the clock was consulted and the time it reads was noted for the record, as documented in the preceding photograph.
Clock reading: 10:56
